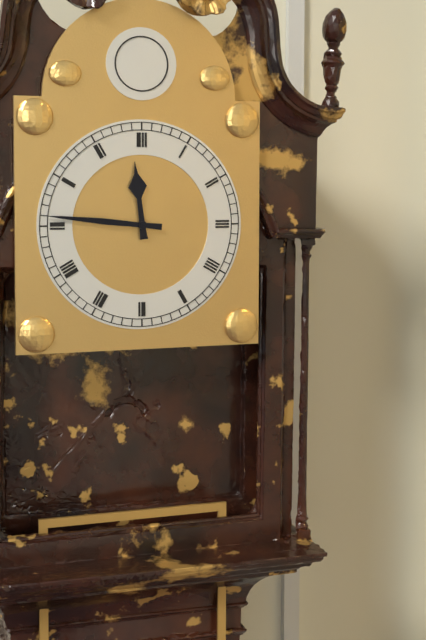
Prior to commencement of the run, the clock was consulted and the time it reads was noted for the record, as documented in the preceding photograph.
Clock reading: 11:46
